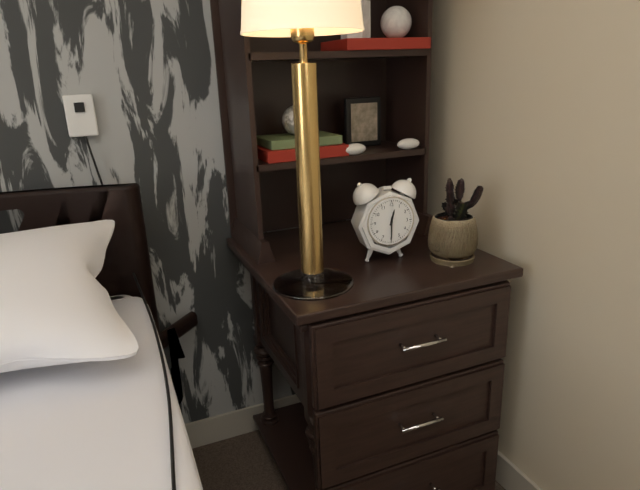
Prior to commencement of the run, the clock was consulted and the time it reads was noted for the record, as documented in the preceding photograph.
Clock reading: 12:30
